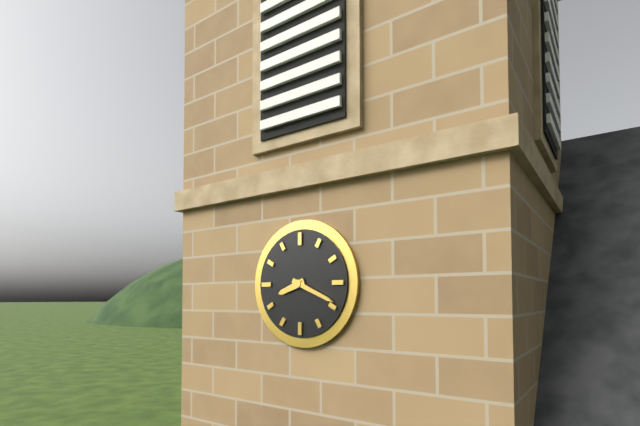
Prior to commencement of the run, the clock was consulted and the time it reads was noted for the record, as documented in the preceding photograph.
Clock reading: 8:19
